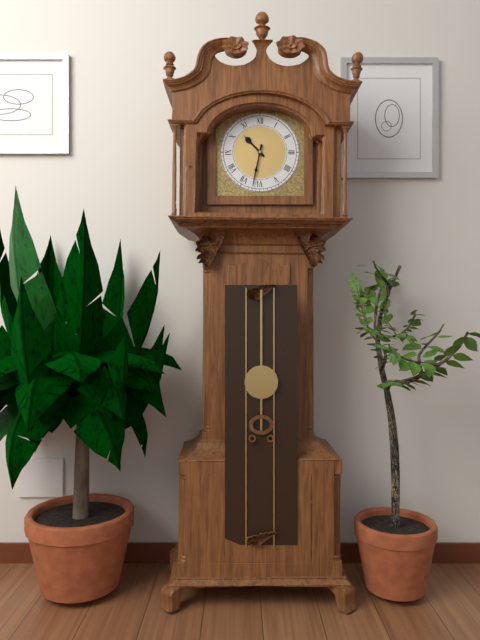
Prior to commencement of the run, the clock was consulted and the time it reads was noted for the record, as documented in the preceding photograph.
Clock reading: 10:32
